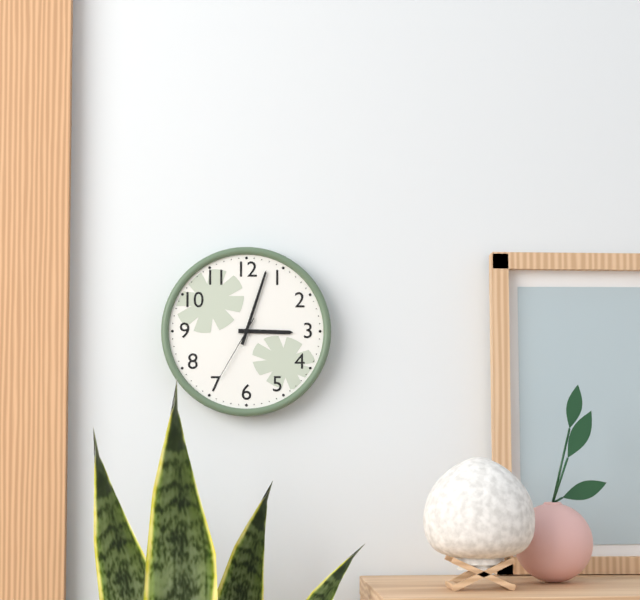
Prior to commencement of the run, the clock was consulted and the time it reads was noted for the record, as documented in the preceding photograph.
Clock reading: 3:03:35
